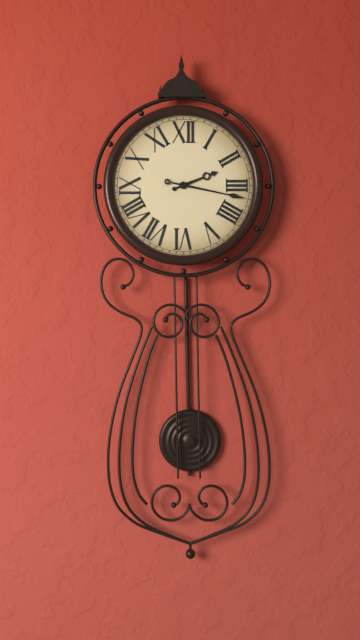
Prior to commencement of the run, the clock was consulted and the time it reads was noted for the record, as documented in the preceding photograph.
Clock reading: 2:17
